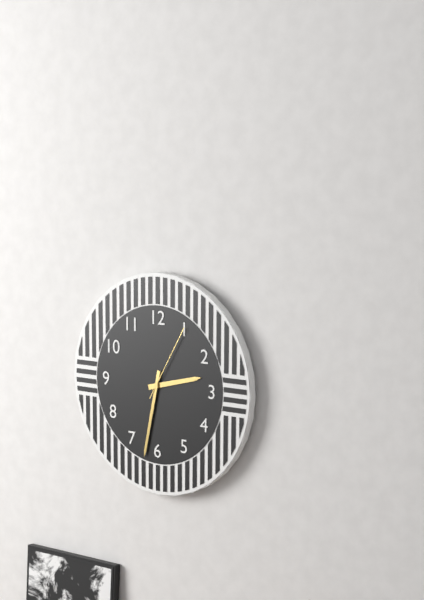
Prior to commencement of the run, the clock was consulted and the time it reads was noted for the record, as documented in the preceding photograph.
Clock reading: 2:32:05
